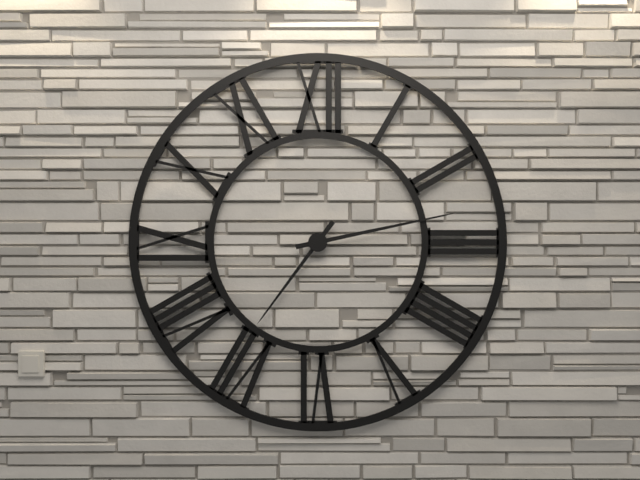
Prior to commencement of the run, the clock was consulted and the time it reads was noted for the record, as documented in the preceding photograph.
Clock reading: 7:13
